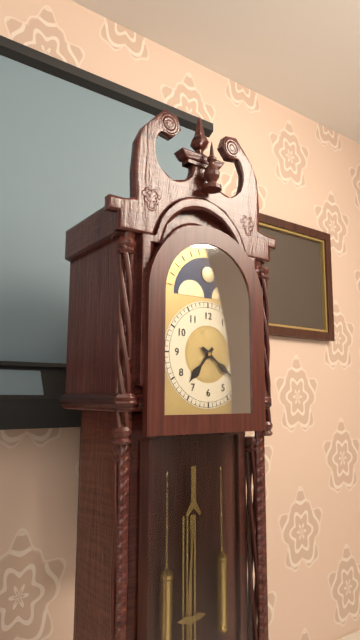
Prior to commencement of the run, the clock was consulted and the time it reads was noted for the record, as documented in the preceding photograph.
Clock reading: 7:21
